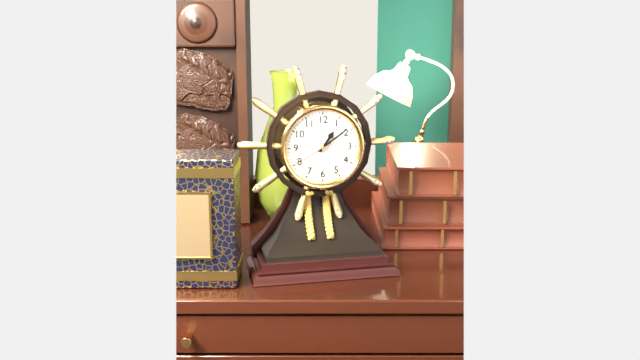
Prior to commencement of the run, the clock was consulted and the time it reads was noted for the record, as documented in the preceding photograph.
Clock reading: 1:09
